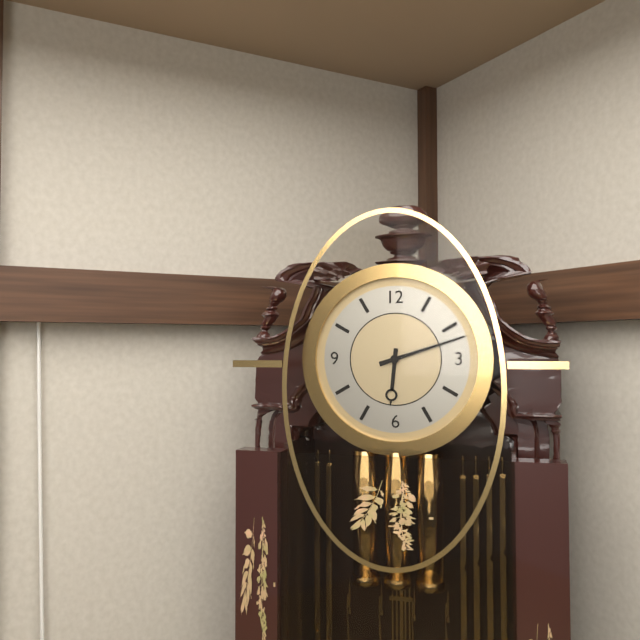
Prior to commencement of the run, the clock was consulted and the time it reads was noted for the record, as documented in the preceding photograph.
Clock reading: 6:12
